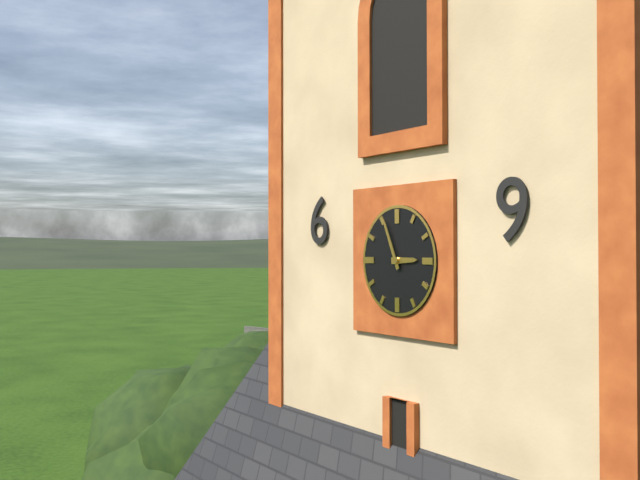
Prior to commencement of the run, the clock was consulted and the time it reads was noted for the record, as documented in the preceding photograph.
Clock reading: 2:56
